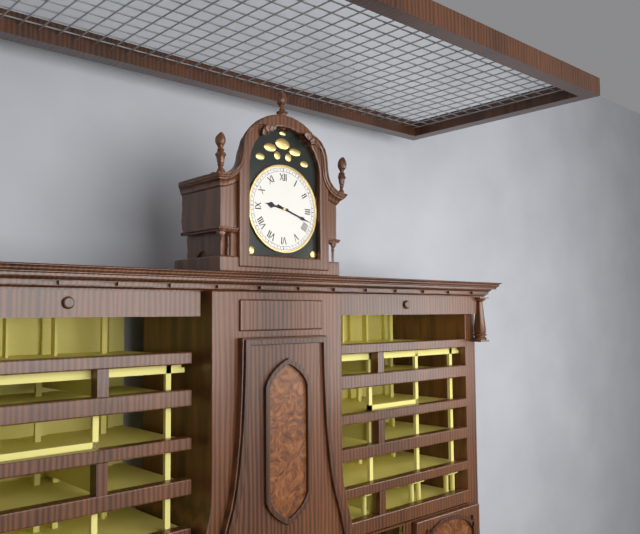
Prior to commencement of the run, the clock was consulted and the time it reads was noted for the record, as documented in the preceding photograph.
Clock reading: 9:18
